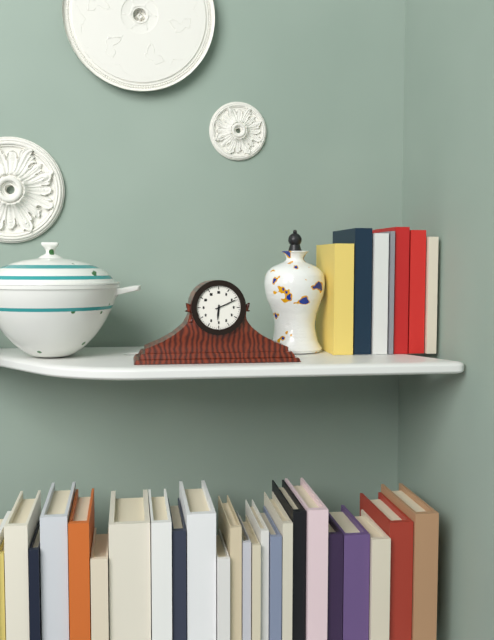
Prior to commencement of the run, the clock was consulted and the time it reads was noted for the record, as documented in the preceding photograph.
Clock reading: 6:11
